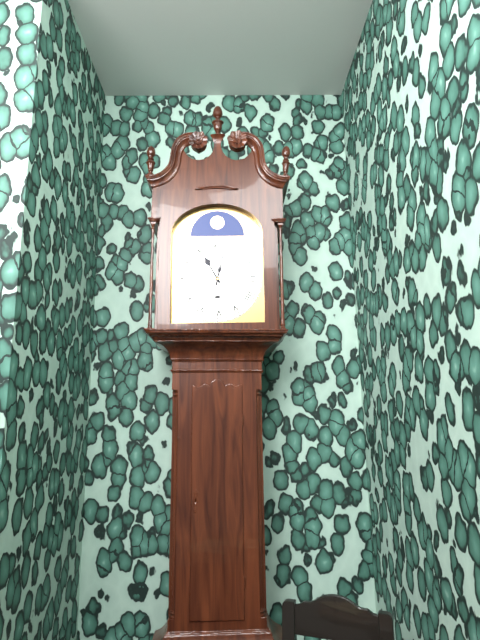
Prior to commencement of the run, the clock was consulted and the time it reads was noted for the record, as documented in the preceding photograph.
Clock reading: 11:02
